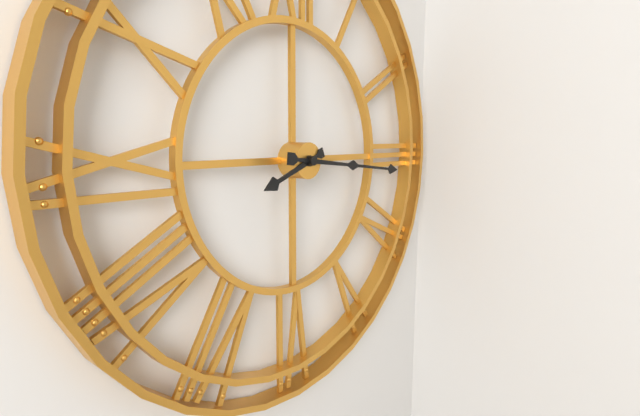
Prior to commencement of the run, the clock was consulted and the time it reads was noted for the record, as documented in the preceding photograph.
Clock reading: 8:16
